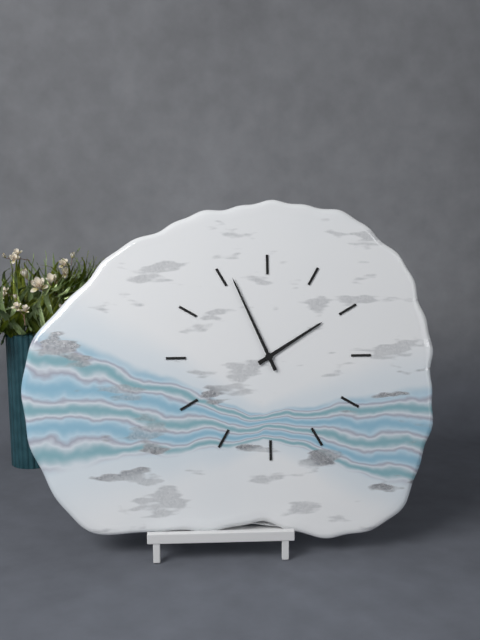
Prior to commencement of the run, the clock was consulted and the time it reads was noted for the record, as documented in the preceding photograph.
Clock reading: 1:56
